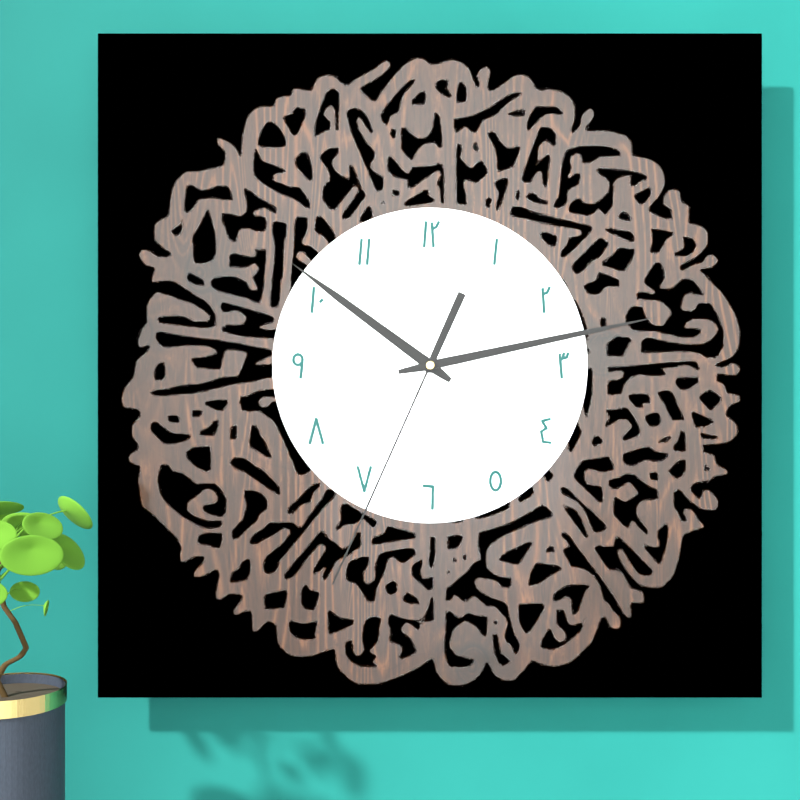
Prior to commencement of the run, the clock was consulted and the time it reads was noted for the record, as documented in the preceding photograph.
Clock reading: 10:13:34
